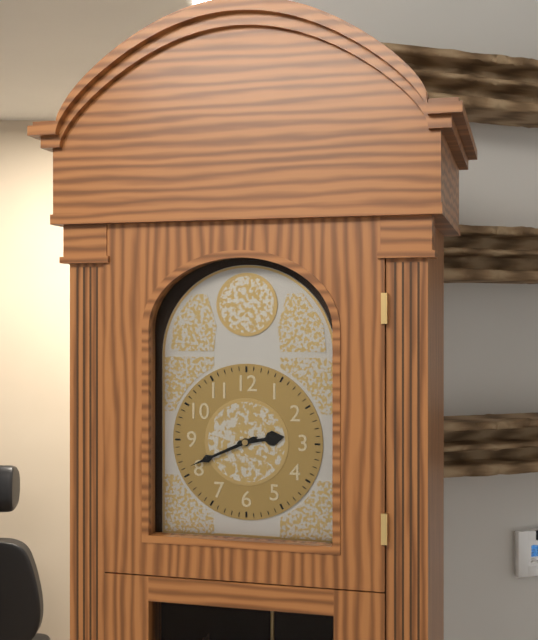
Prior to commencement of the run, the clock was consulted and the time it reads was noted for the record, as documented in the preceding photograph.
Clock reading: 2:41
